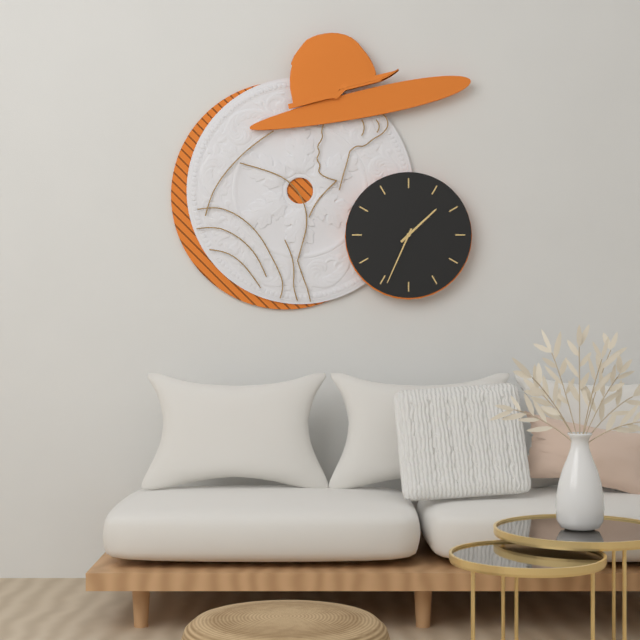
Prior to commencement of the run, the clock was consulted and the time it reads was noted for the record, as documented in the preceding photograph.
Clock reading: 1:34
